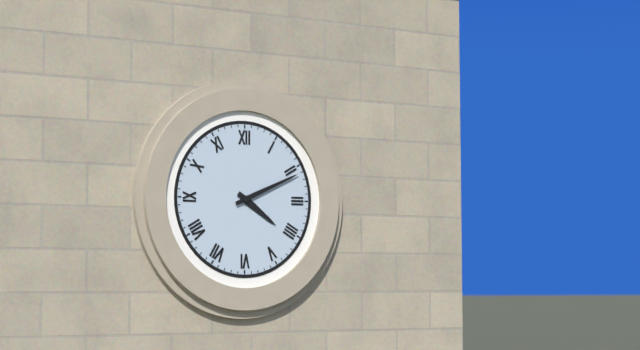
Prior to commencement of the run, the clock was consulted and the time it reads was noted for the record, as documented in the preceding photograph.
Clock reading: 4:11
